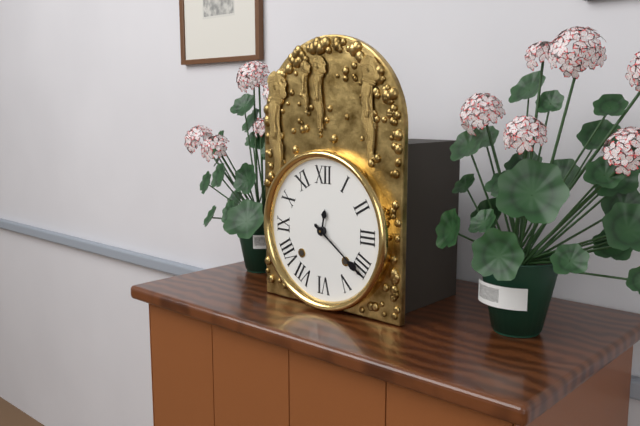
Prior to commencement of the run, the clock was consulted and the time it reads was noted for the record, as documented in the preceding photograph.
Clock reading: 12:21
